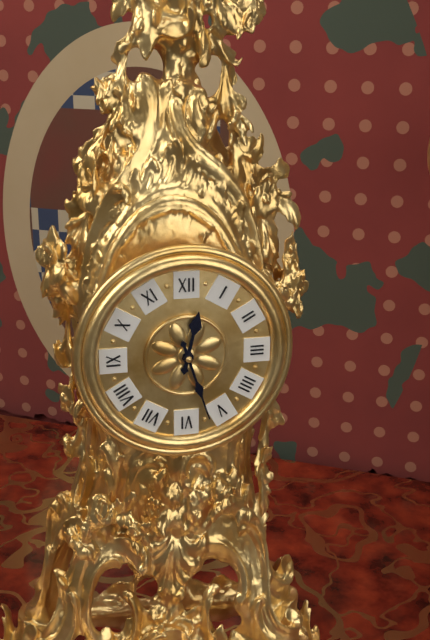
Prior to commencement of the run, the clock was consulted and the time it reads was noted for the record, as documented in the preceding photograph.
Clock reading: 12:27
